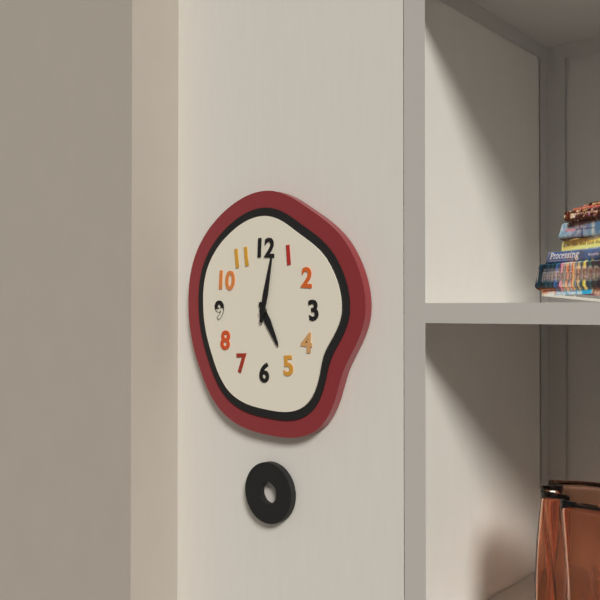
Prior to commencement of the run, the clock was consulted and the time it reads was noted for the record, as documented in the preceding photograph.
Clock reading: 5:02
